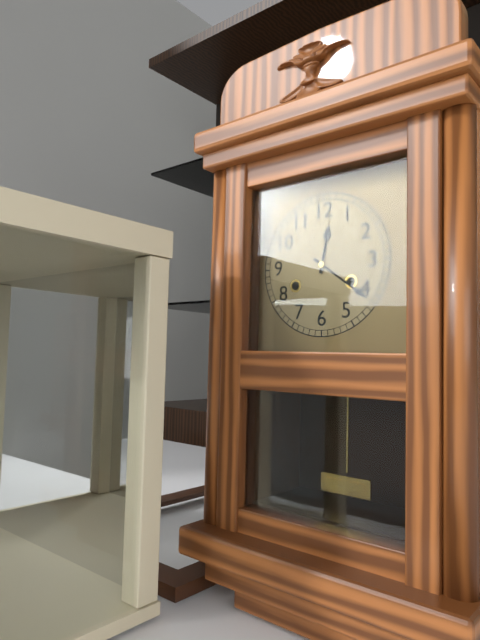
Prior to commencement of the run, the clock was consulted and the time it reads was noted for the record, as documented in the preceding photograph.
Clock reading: 12:21
